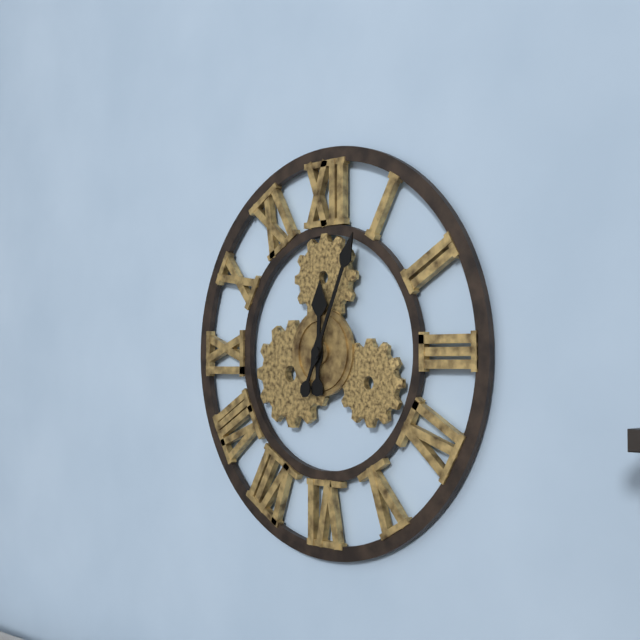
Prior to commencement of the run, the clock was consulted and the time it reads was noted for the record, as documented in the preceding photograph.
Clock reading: 12:04
